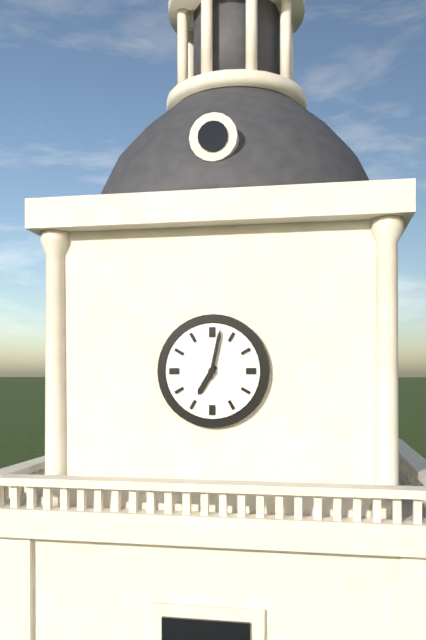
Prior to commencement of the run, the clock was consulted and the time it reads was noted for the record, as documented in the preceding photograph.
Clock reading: 7:02
